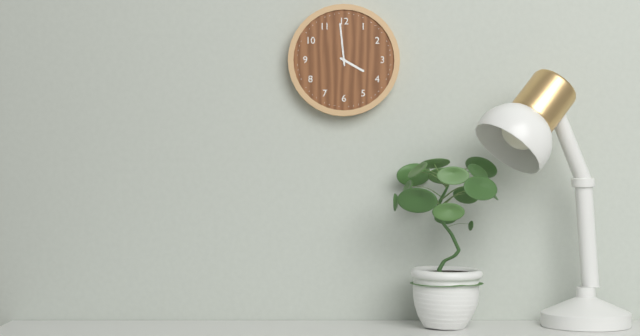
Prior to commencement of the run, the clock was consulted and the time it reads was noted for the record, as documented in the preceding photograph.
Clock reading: 3:59
